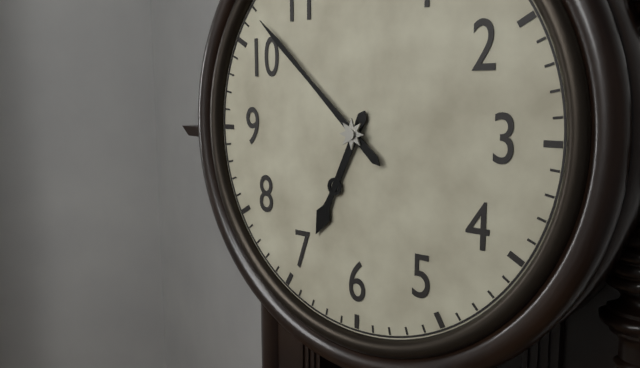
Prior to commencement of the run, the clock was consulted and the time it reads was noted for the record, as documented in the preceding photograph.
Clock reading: 6:52
